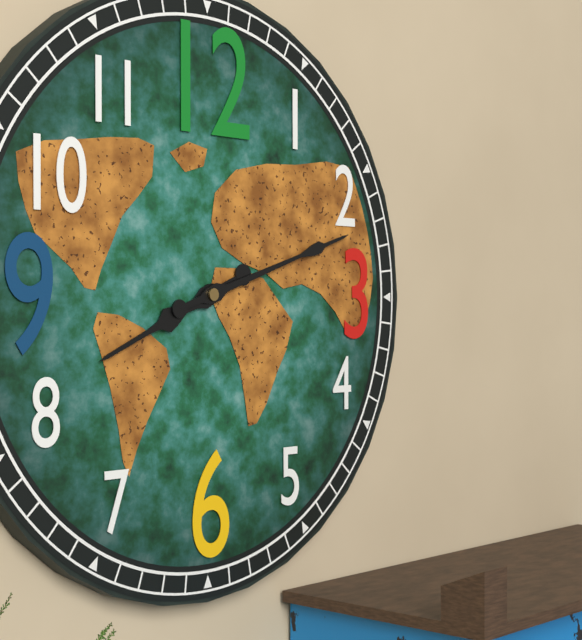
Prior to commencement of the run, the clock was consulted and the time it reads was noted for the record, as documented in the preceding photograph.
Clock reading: 8:12
